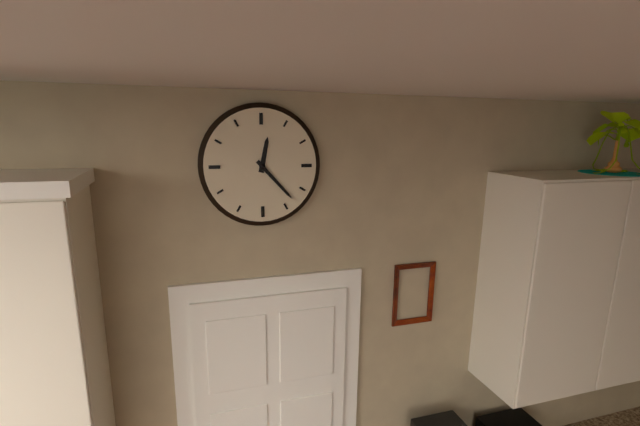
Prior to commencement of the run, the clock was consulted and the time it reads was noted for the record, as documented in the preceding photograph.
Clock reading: 12:23
